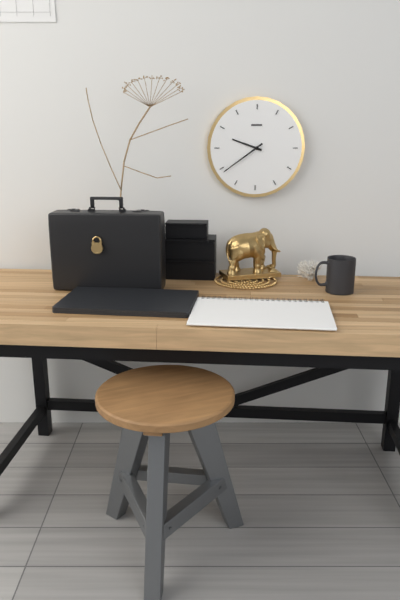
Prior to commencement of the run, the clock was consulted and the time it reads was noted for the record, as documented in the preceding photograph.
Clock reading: 9:39
